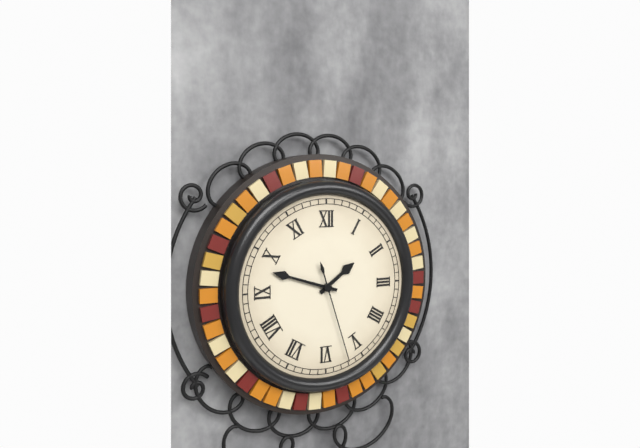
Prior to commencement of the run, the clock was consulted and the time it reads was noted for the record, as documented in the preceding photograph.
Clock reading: 1:48:27
